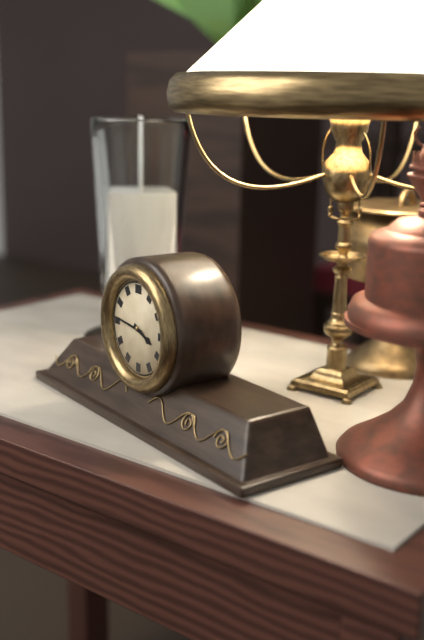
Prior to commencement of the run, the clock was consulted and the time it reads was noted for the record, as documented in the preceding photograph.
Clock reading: 3:46
